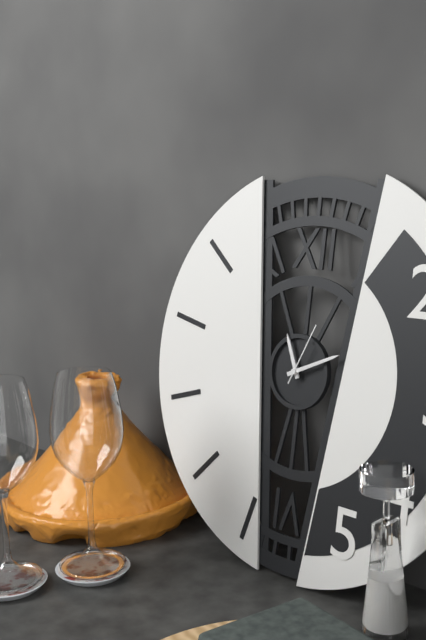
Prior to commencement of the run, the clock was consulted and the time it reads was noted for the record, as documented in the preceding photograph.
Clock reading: 11:11:04
